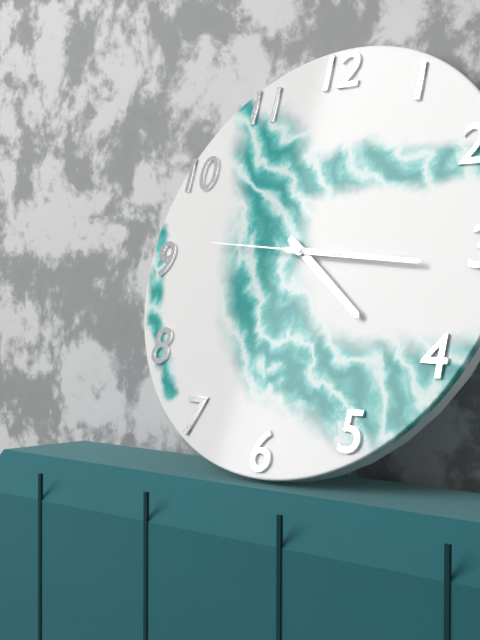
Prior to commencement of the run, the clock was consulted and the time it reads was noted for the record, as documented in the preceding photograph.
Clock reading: 4:16:46
